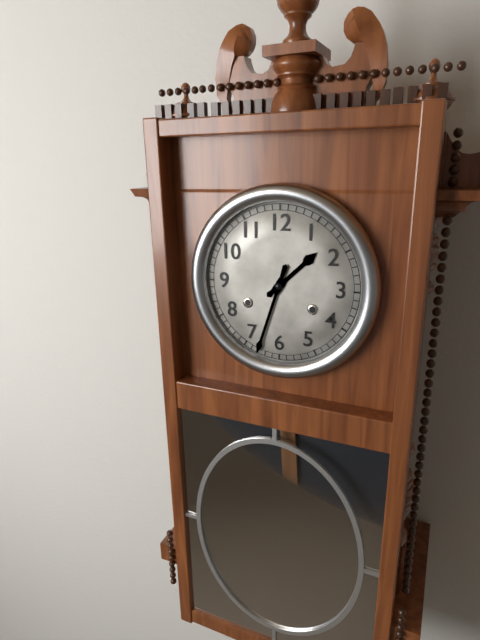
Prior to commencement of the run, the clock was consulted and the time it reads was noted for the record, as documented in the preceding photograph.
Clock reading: 1:33
